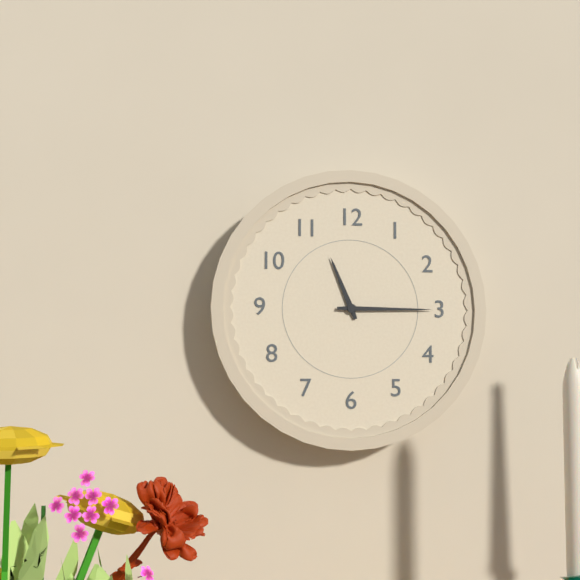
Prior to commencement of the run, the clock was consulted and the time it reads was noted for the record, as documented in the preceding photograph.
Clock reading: 11:15
